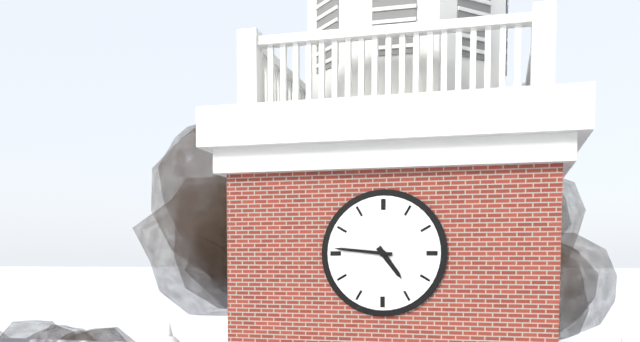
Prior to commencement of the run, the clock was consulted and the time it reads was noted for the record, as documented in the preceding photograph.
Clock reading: 4:46
